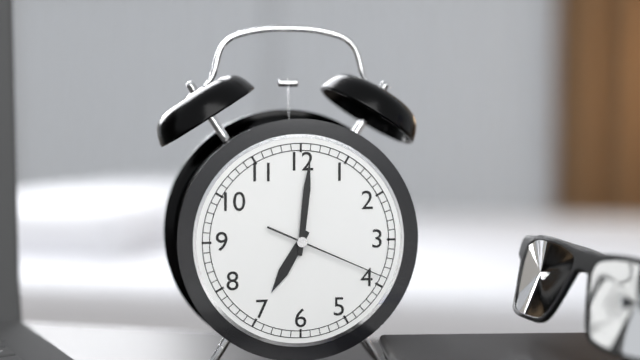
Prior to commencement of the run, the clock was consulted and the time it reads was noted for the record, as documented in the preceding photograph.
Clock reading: 7:01:19
